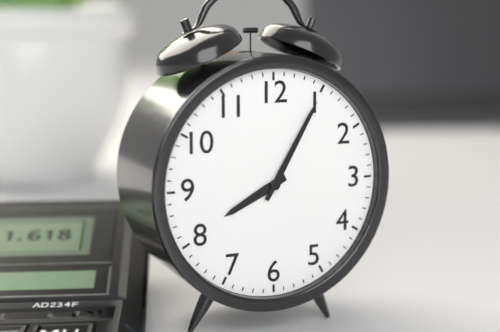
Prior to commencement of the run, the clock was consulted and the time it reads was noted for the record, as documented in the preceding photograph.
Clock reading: 8:05
